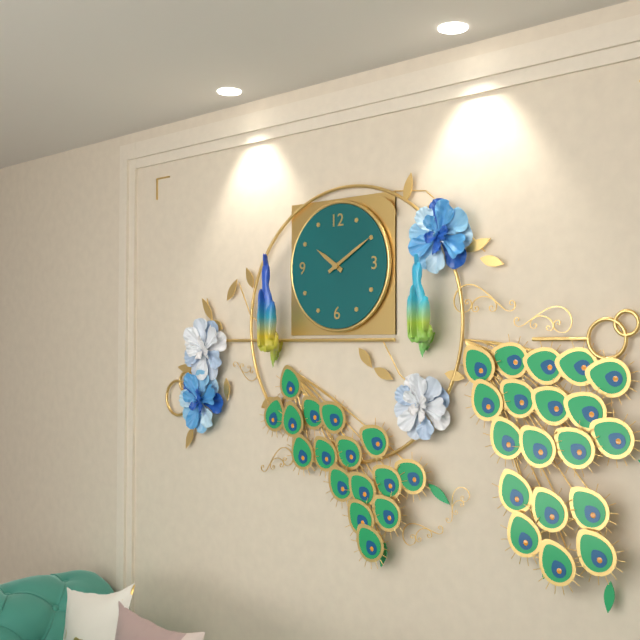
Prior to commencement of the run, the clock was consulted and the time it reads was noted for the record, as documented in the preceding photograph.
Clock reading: 10:10
